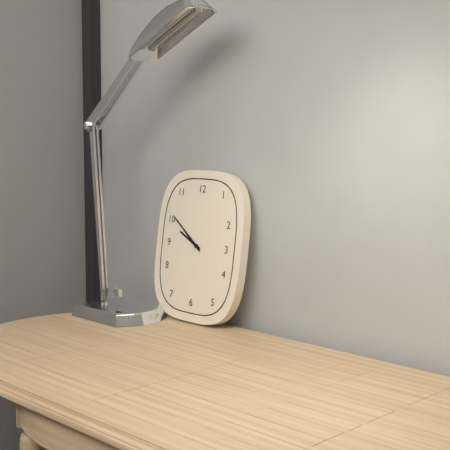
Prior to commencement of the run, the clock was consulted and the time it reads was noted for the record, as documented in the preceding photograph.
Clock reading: 9:51
